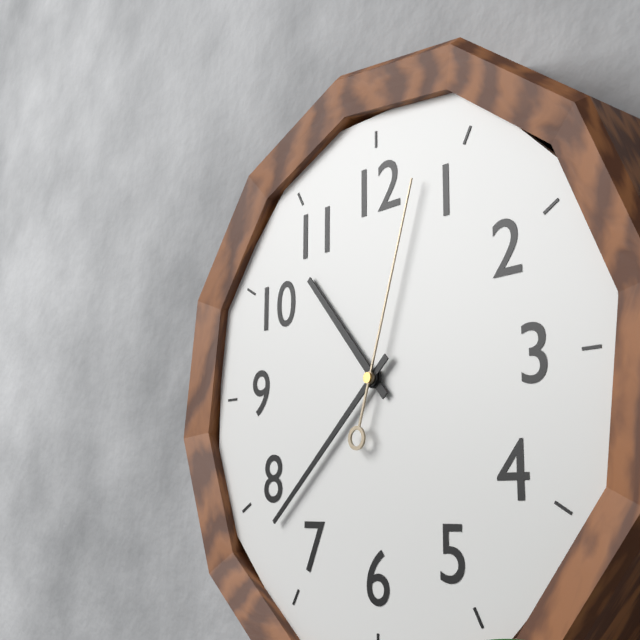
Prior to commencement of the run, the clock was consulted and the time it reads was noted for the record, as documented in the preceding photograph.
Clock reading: 10:38:03
